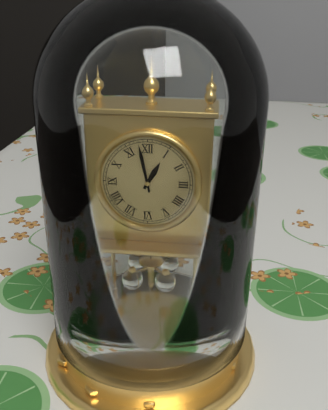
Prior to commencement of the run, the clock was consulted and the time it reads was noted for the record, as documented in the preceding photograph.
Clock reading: 12:58
